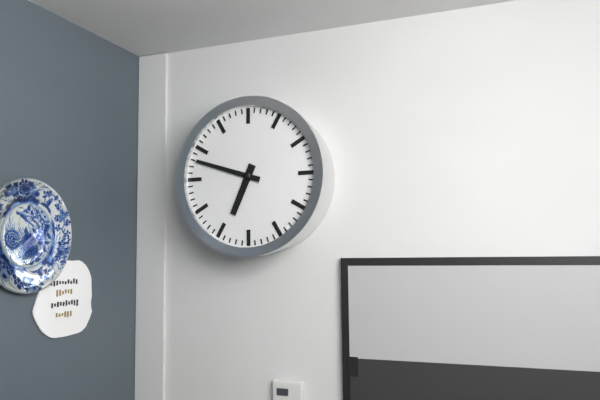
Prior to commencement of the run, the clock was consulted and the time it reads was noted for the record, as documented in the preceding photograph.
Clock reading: 6:48
